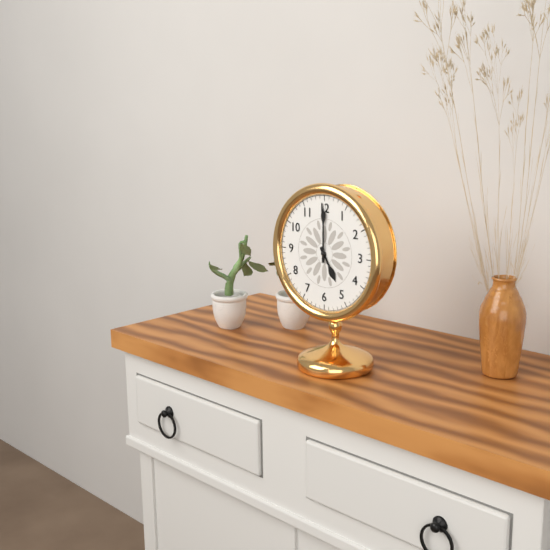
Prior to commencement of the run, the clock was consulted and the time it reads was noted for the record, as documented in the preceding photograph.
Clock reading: 5:00
